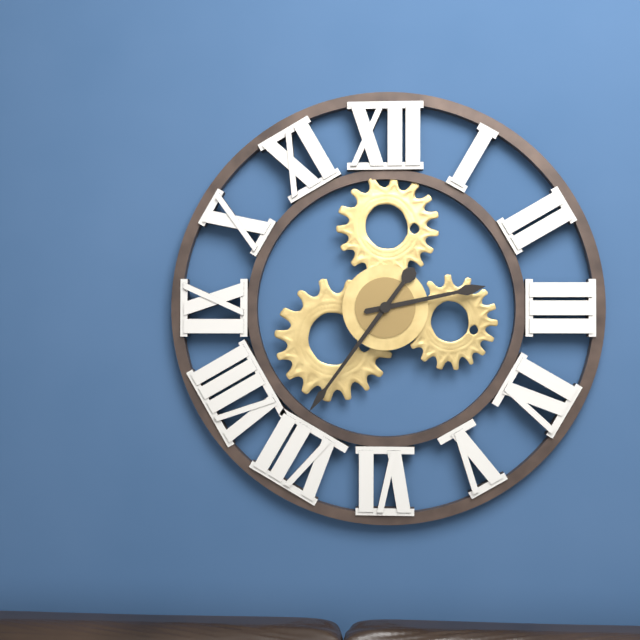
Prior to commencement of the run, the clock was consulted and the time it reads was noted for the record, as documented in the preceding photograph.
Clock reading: 2:36
